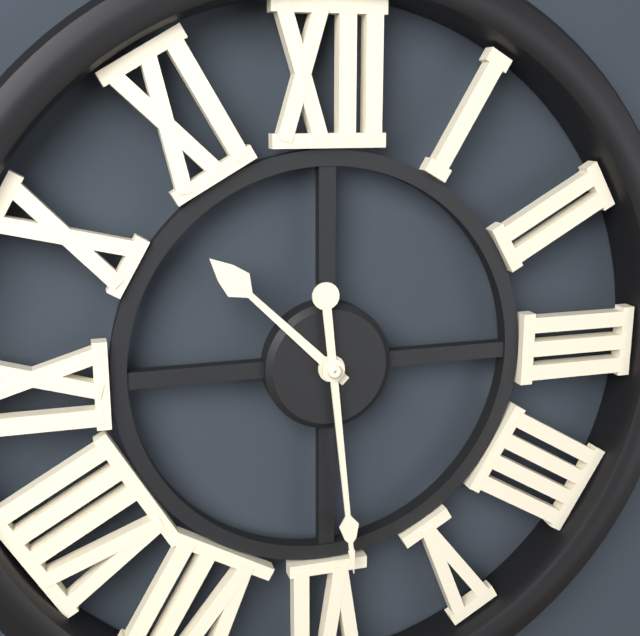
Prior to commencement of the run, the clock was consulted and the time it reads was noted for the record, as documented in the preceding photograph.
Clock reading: 10:29
